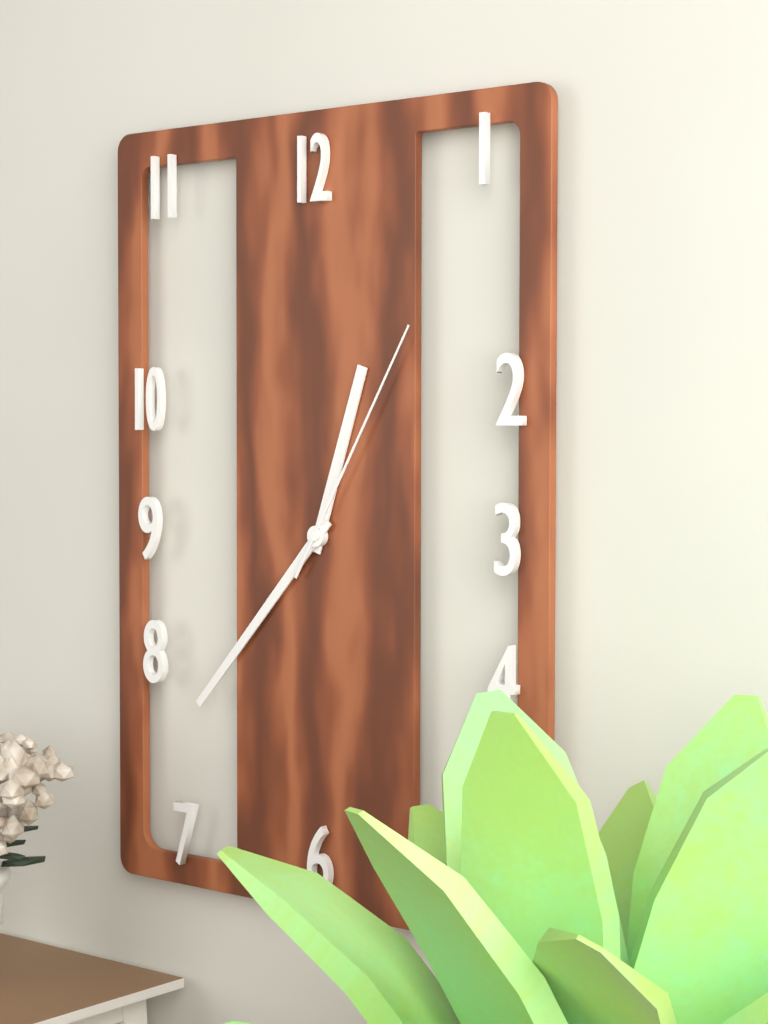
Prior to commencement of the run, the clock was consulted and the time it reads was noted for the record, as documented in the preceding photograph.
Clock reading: 12:37:05
